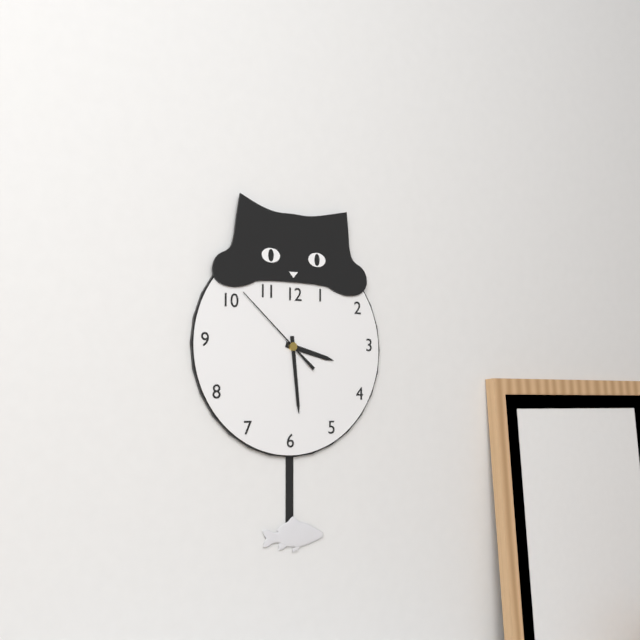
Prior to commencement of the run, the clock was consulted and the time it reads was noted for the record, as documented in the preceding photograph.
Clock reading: 3:29:52
